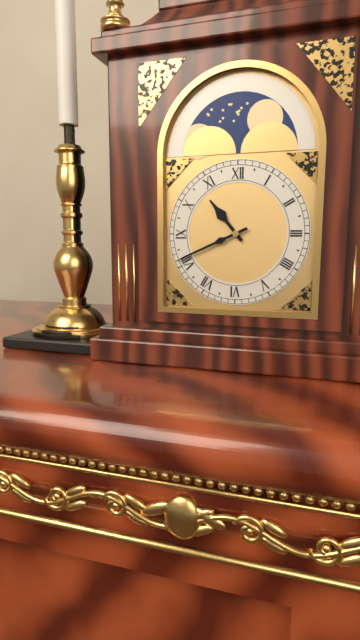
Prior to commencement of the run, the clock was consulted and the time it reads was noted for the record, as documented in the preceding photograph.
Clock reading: 10:41
